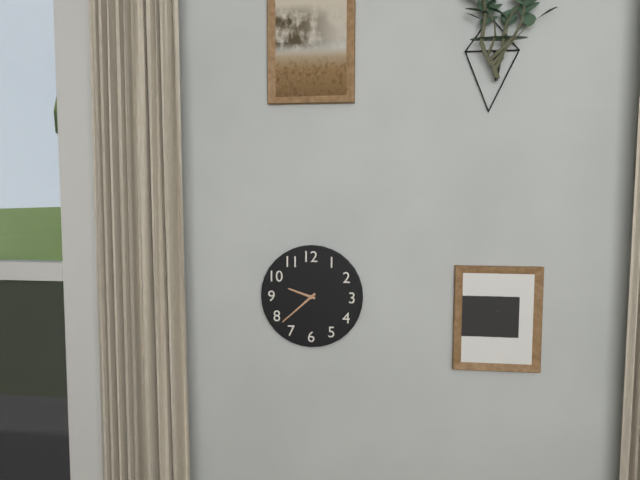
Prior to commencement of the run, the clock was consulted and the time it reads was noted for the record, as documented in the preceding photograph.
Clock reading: 9:38
